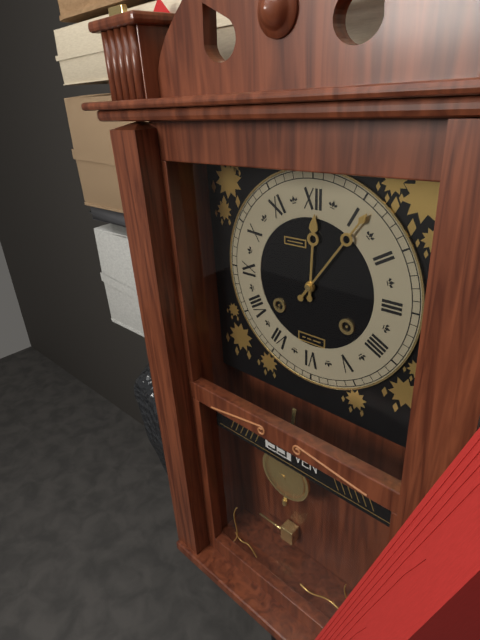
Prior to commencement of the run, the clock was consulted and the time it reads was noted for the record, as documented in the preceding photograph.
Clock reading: 12:06
